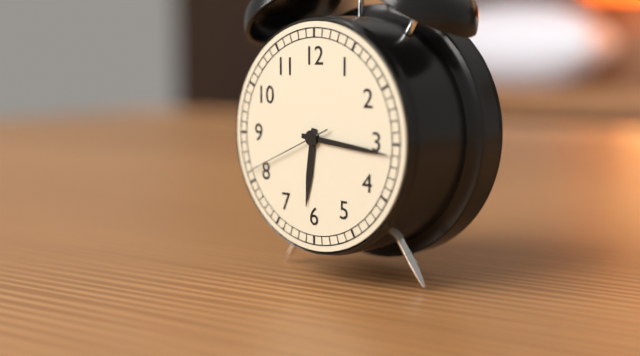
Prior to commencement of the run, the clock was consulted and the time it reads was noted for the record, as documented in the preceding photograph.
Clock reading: 6:16:41
